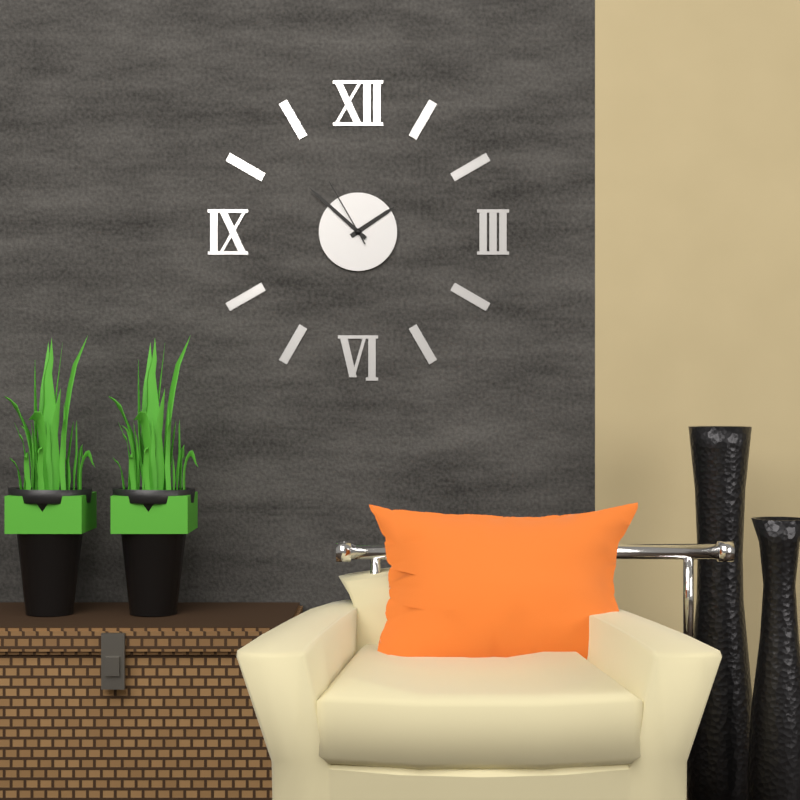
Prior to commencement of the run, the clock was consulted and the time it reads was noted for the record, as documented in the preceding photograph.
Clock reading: 1:52:55
